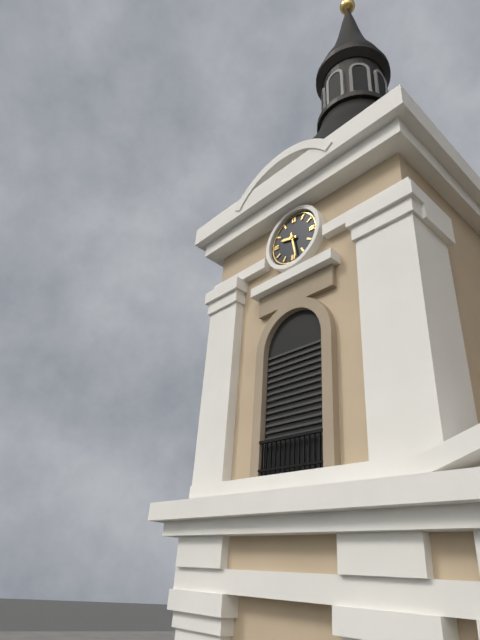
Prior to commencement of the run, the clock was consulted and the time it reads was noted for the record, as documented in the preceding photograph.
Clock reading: 9:28
